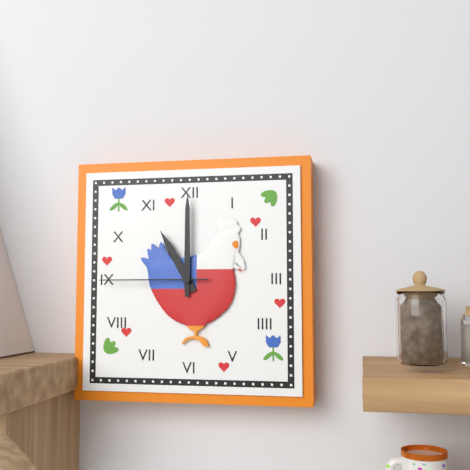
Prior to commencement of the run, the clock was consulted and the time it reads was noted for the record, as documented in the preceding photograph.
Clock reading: 11:00:45
